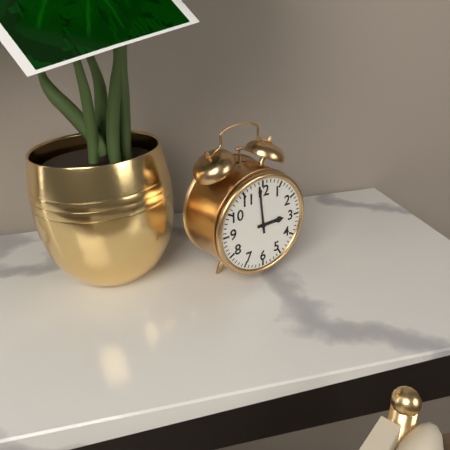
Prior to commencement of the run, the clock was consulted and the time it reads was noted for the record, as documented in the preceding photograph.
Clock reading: 2:59
